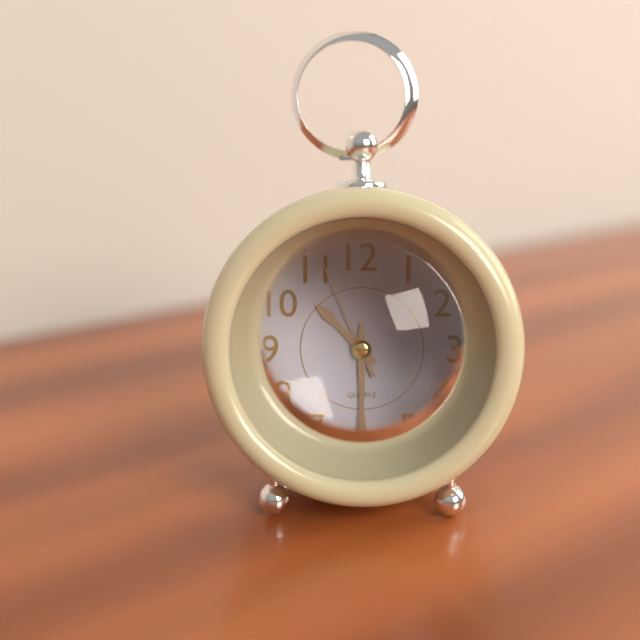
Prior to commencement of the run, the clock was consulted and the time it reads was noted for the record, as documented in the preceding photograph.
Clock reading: 10:30:56
